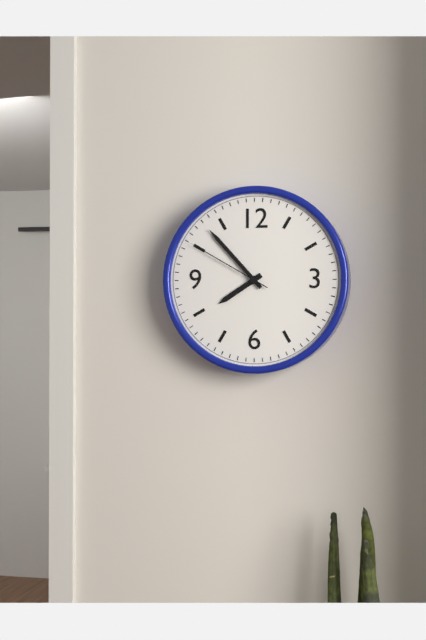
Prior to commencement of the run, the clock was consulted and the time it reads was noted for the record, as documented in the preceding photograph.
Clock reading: 7:53:50
